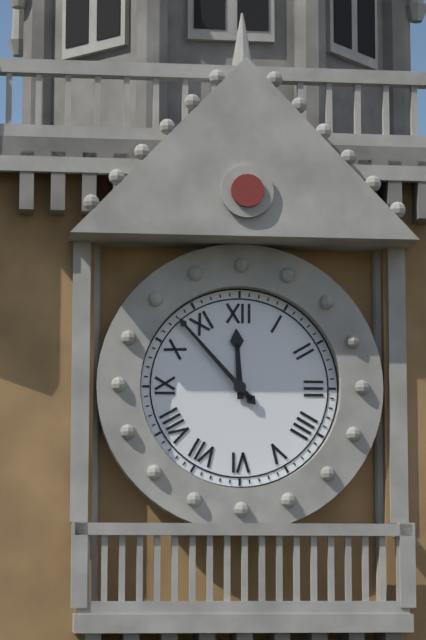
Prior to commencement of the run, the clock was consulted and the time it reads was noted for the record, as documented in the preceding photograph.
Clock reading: 11:53
